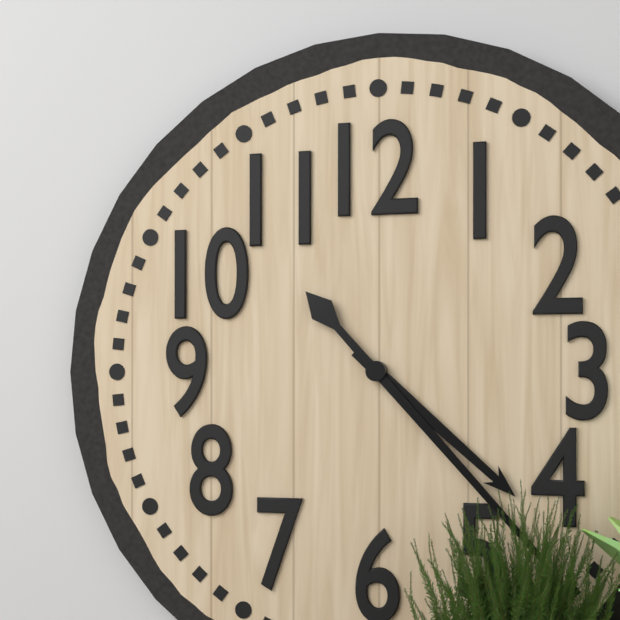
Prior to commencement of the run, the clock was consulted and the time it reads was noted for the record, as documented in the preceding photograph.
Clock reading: 4:23
